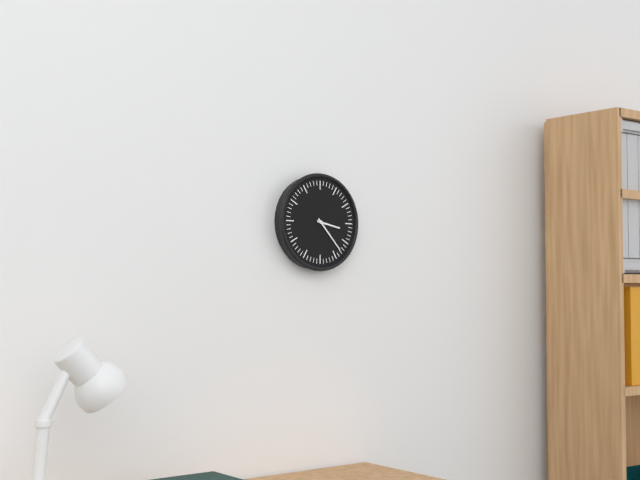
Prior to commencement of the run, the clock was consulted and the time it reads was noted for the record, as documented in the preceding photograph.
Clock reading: 3:23
